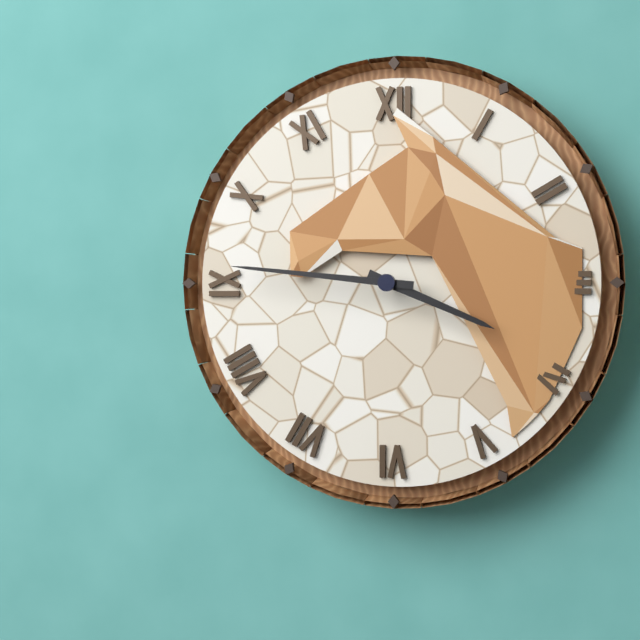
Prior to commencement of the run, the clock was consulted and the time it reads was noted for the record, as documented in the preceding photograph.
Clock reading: 3:46
